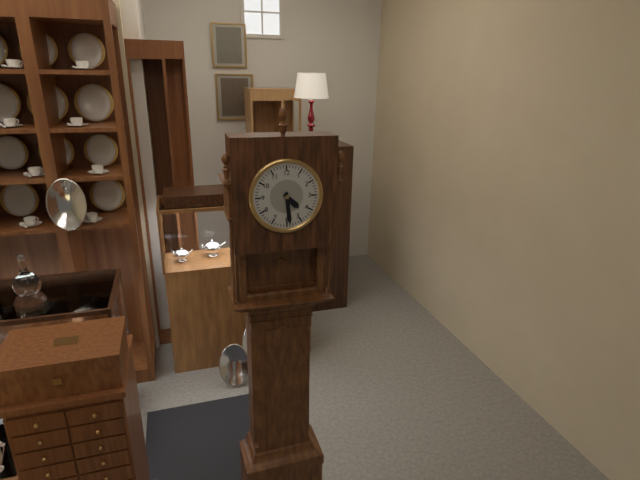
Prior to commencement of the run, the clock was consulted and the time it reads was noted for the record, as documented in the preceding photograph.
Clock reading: 4:29
